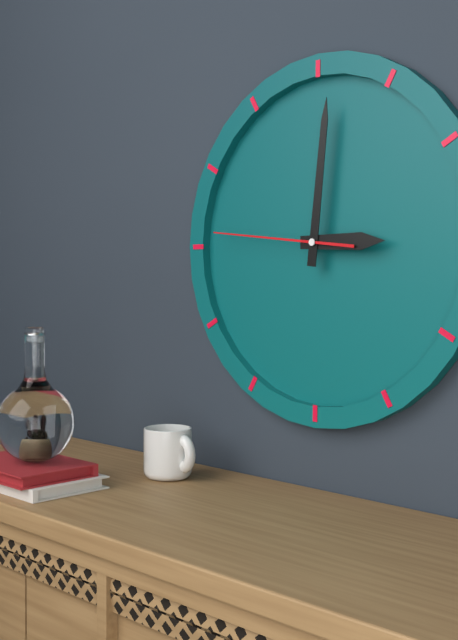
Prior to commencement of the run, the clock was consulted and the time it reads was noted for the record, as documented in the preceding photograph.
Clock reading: 3:01:46
